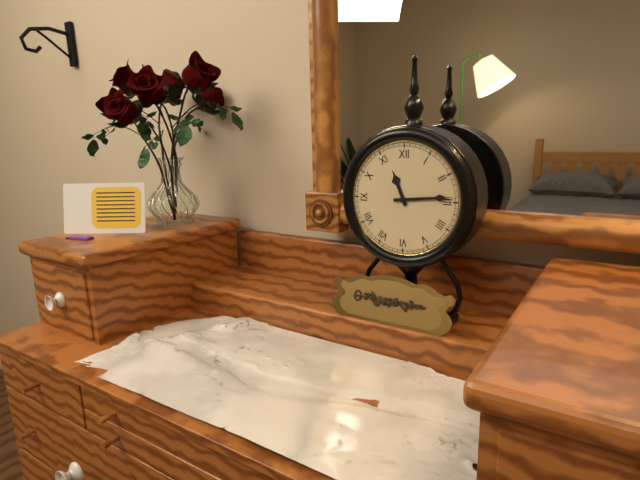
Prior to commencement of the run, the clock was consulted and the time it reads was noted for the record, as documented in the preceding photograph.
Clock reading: 11:14
